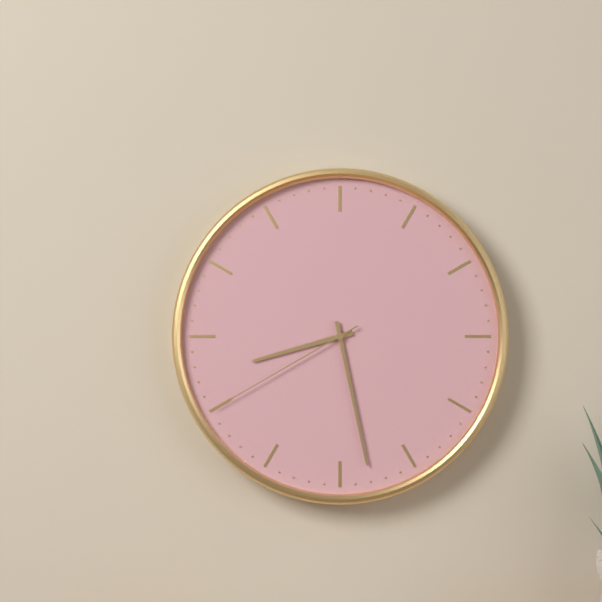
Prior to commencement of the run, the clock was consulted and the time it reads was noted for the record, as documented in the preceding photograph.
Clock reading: 8:28:40
